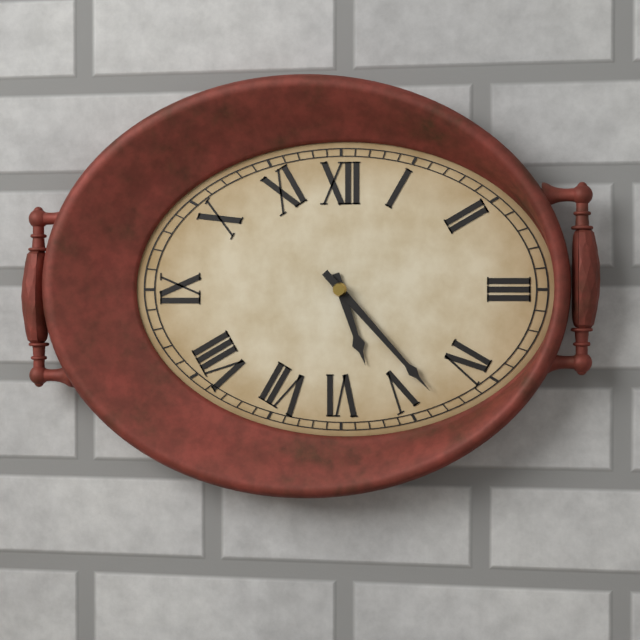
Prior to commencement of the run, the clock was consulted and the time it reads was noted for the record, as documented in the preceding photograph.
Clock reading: 5:23
